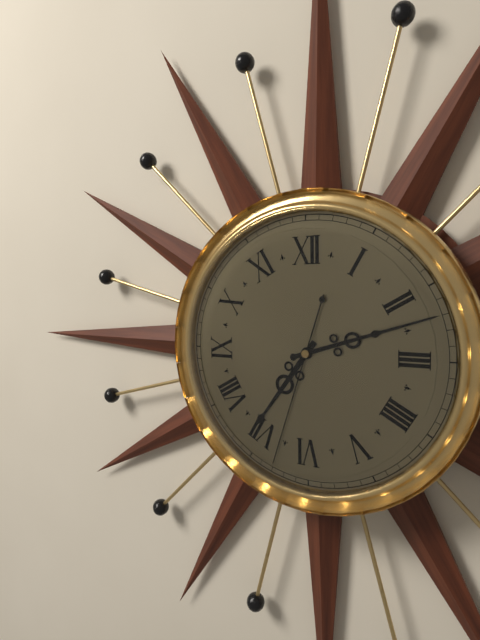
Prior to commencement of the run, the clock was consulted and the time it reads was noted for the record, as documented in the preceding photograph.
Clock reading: 7:12:33
